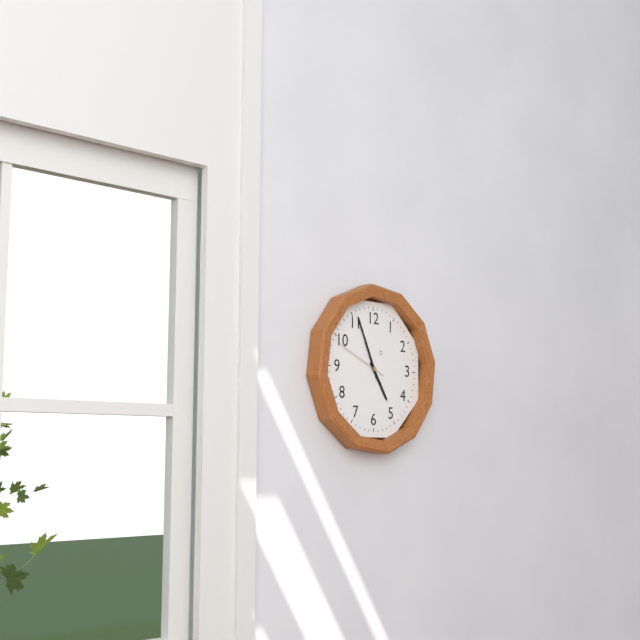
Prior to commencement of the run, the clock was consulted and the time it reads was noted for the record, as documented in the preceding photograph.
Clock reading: 4:56:49
